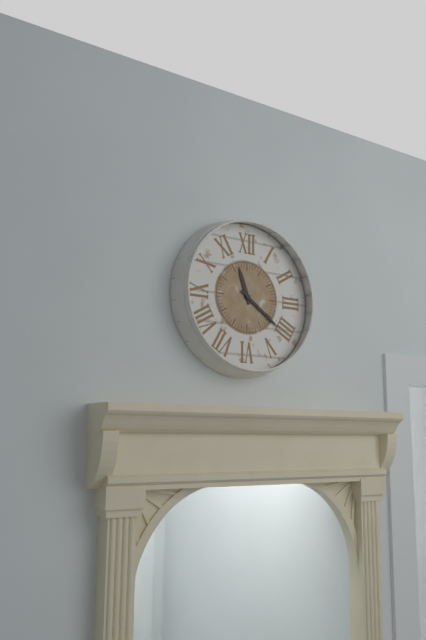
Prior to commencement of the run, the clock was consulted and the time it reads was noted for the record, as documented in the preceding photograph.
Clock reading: 11:21
